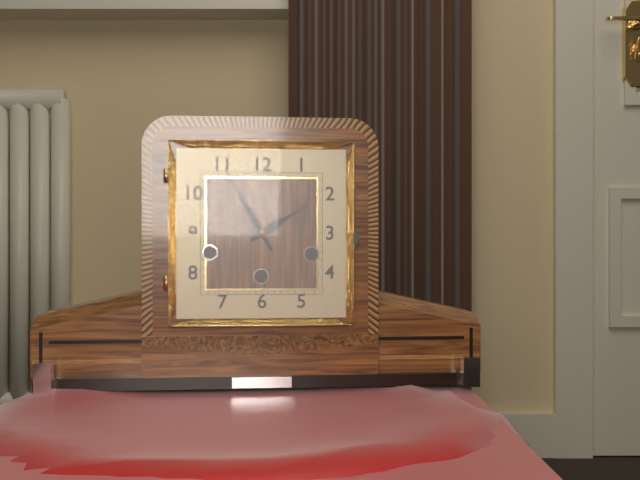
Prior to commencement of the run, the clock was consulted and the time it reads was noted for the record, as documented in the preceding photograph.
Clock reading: 1:55
